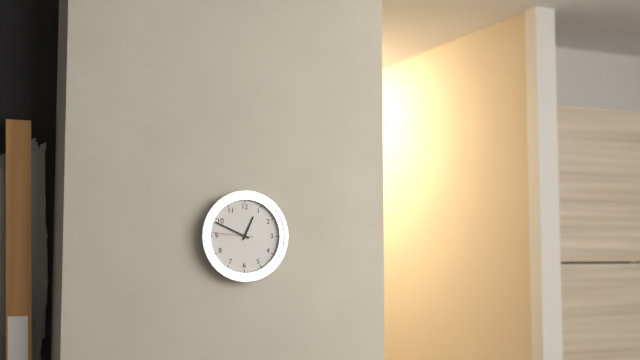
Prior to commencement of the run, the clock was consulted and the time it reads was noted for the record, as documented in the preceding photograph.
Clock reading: 12:49
